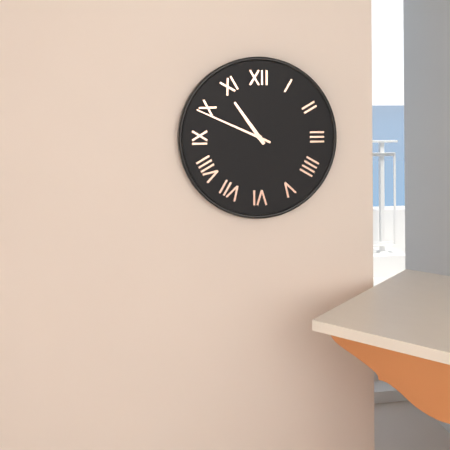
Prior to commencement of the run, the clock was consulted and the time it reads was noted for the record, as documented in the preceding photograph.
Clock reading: 10:49
